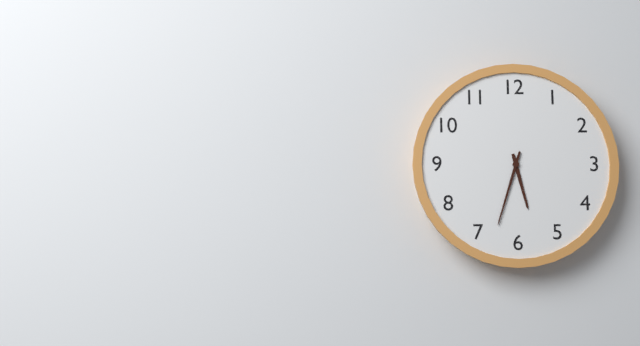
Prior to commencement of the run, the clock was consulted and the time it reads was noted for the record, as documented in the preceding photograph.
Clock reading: 5:33
